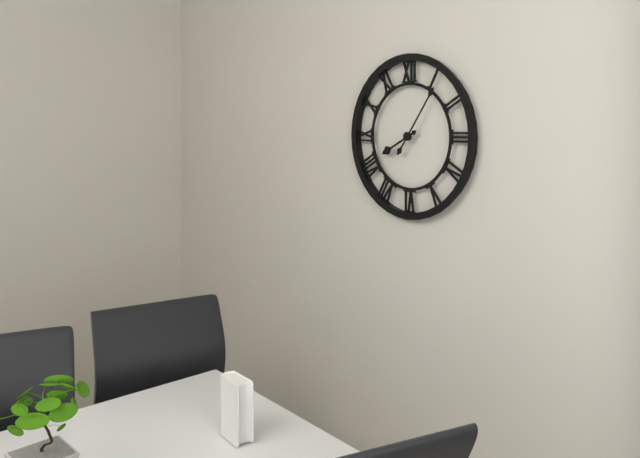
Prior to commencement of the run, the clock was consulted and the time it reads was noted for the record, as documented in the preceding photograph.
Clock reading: 8:06
